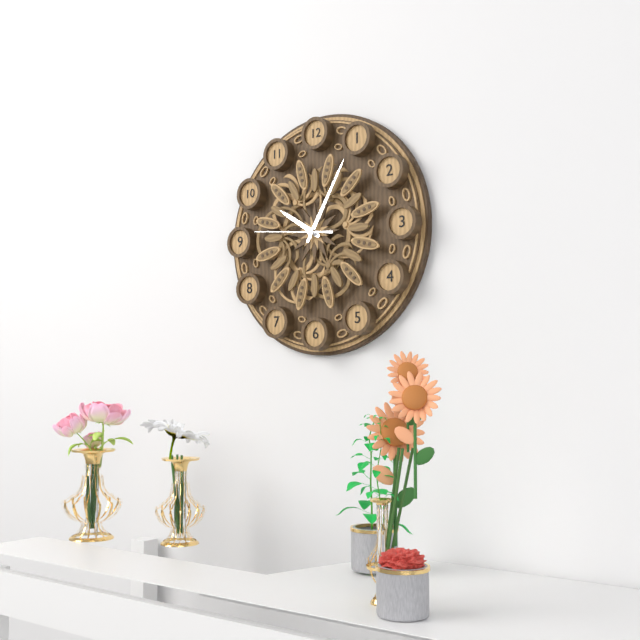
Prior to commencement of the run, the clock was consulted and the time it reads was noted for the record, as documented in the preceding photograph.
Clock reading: 10:05:46
